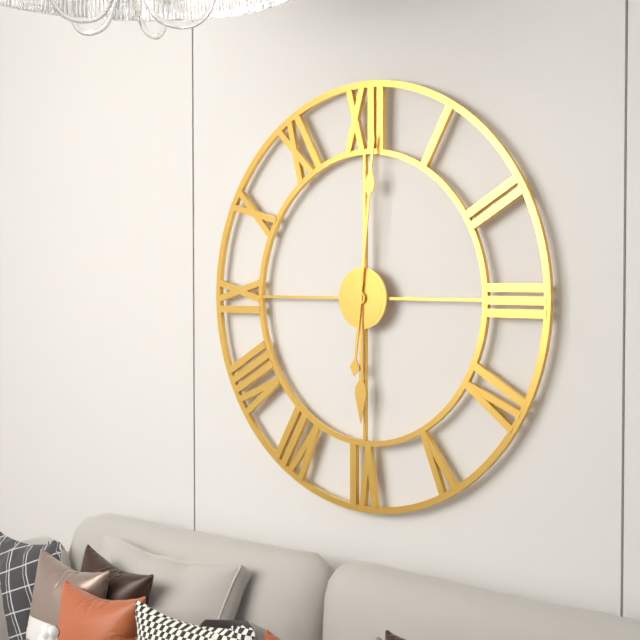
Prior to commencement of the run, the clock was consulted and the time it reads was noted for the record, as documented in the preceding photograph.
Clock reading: 6:01
